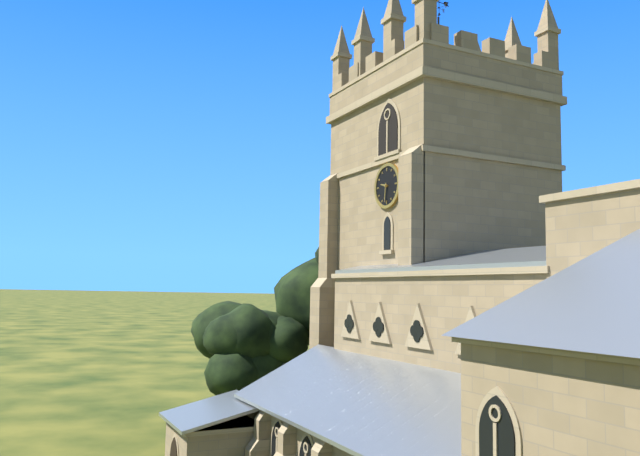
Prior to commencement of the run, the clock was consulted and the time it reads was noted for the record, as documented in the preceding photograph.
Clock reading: 9:31
